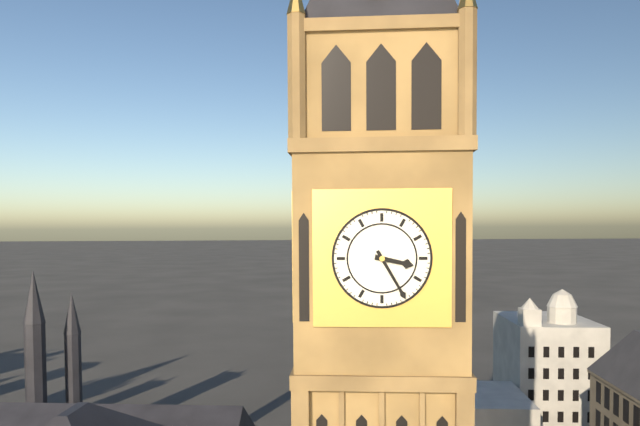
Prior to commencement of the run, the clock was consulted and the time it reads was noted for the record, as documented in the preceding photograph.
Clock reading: 3:25
